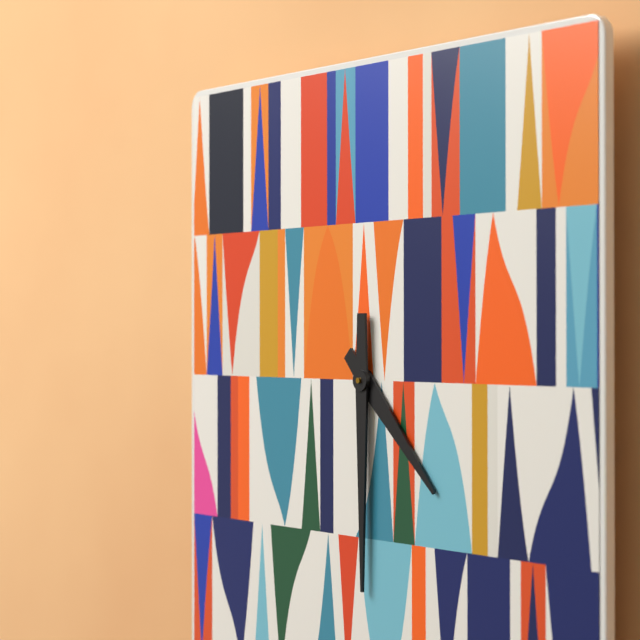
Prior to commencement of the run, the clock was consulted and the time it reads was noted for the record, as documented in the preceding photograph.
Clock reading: 4:30
